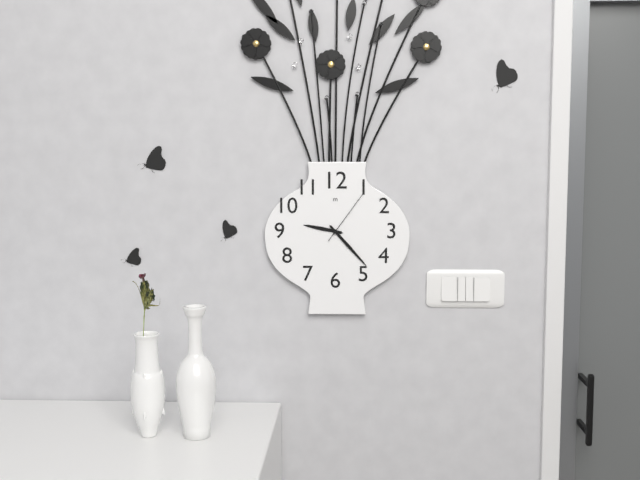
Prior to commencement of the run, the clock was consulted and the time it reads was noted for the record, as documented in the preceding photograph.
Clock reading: 9:23:06
